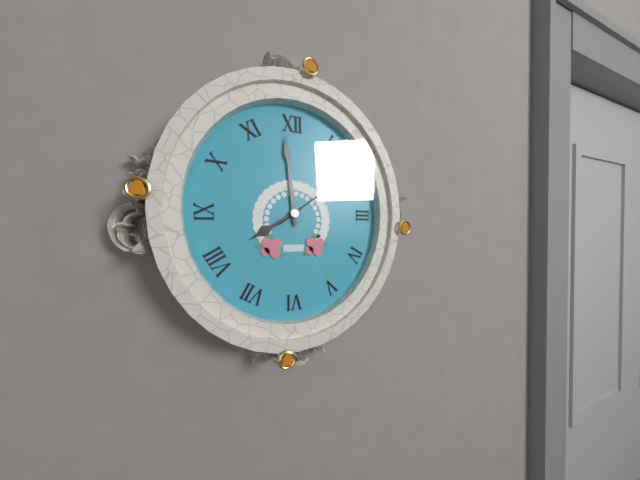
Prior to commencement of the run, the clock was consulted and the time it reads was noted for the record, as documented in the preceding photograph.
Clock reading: 7:59:09
